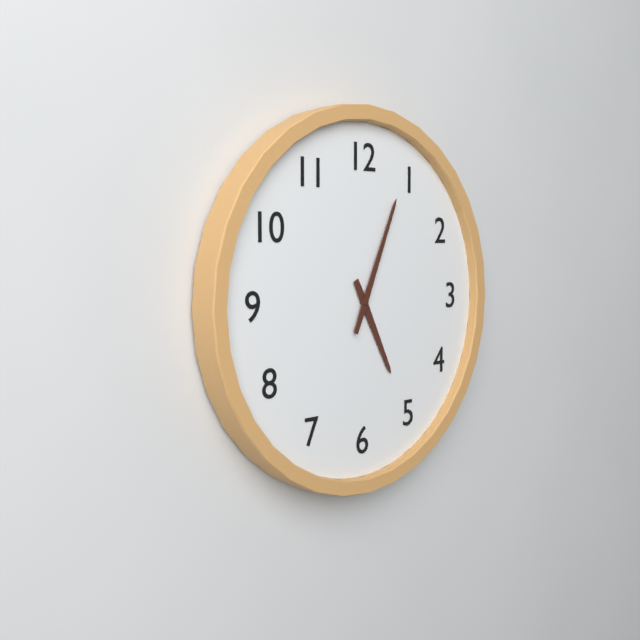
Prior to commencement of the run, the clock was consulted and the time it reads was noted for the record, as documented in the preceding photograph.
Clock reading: 5:04
